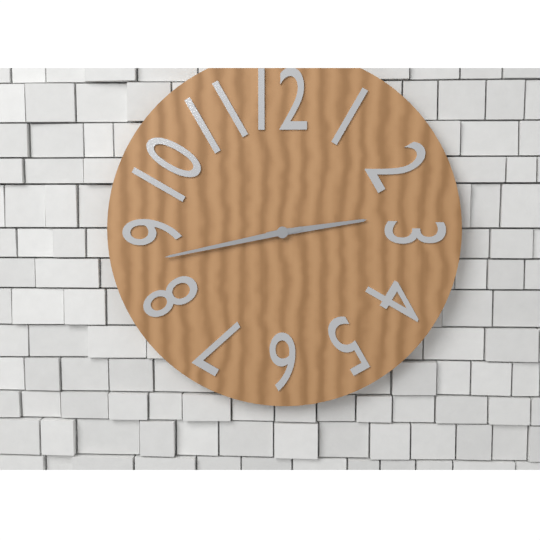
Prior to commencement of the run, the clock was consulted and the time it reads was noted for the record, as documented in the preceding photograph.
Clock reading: 2:43
